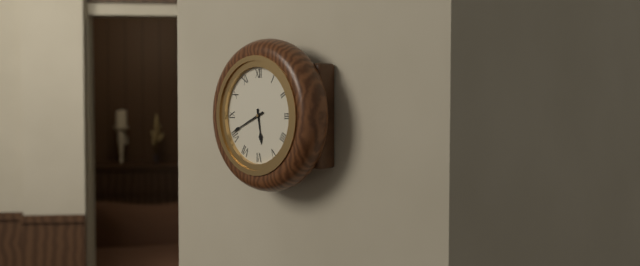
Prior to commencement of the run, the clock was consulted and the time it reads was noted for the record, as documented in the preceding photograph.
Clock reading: 5:41
